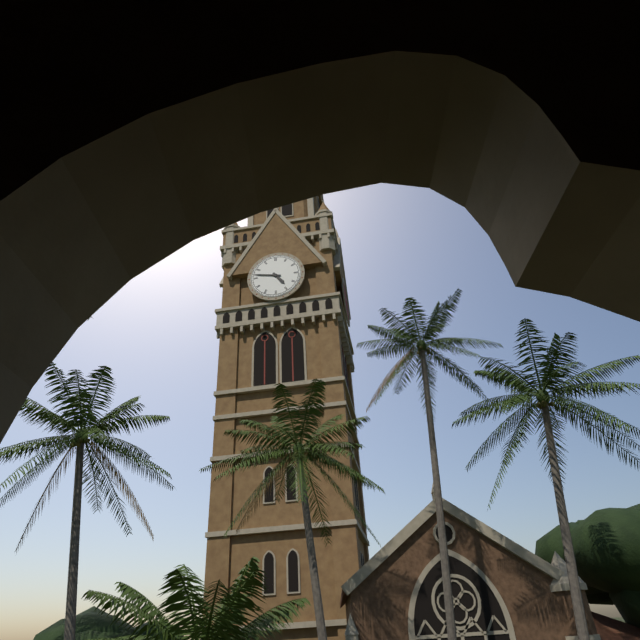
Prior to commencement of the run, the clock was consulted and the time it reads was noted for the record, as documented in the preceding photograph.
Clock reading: 4:47
